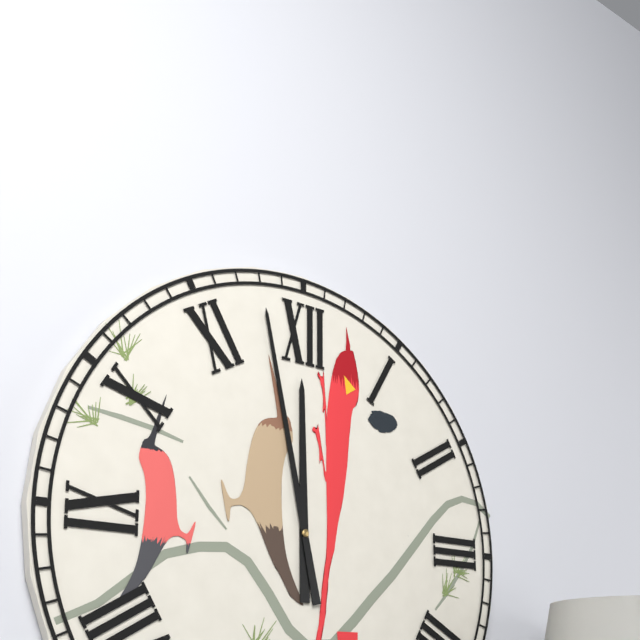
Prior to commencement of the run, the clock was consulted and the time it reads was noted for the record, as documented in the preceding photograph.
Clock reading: 11:58
